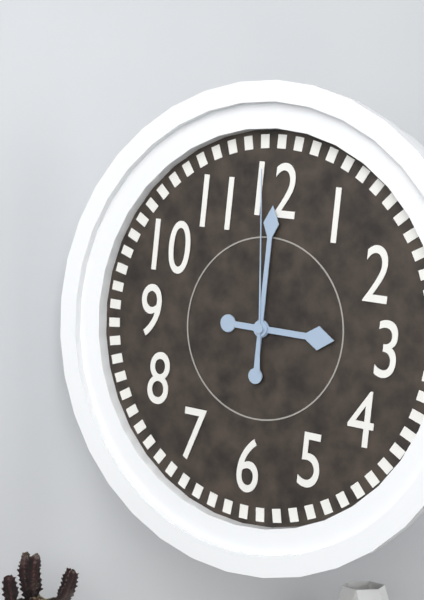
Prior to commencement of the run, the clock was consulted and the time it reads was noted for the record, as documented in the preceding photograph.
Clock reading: 3:00:59
